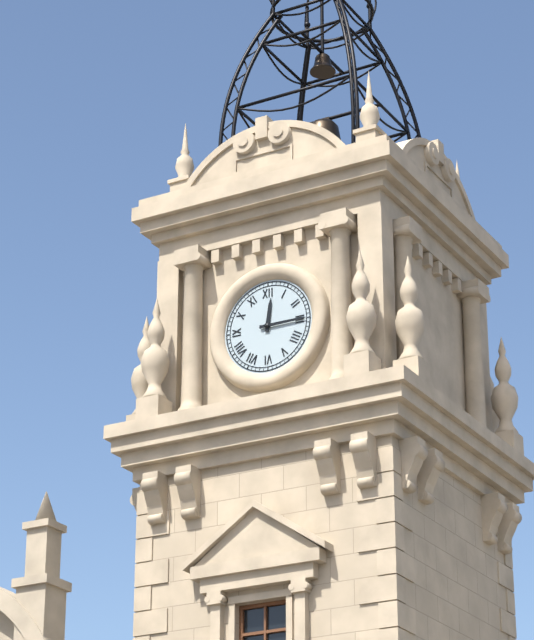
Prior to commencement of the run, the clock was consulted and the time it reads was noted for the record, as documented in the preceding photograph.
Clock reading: 12:15
